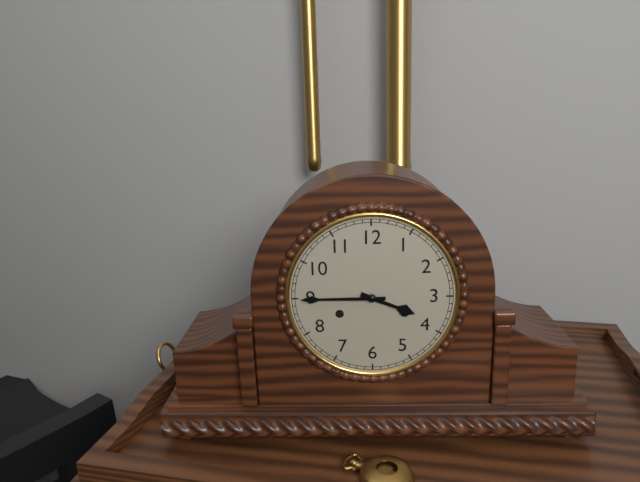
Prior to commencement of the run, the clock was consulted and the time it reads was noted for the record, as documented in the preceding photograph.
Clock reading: 3:45
